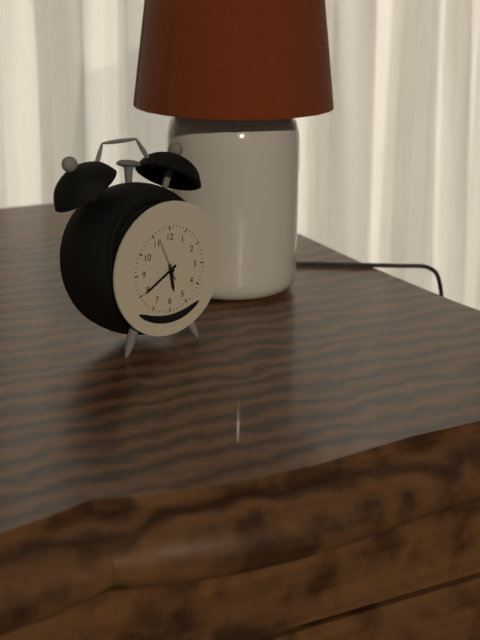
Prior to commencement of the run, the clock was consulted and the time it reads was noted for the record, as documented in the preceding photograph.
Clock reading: 5:40
